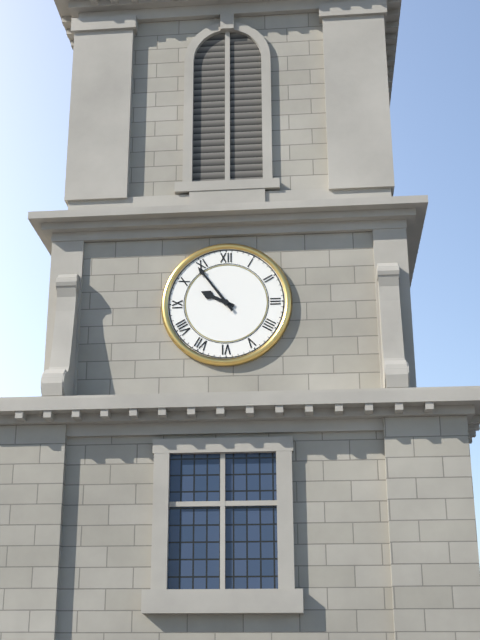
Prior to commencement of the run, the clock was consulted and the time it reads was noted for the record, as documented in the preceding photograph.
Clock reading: 9:54
